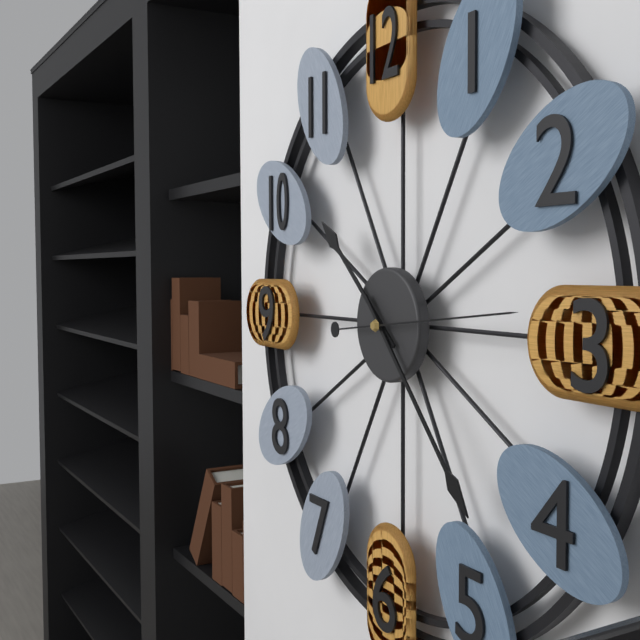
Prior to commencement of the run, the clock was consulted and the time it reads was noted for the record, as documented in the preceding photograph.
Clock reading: 10:23:14
